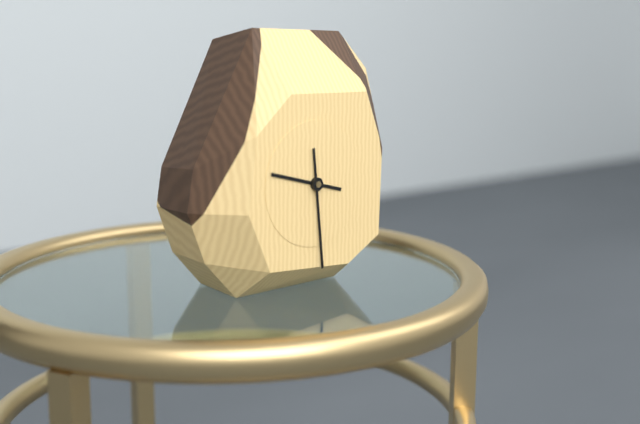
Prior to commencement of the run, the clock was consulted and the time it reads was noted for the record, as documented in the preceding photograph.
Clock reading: 9:29
